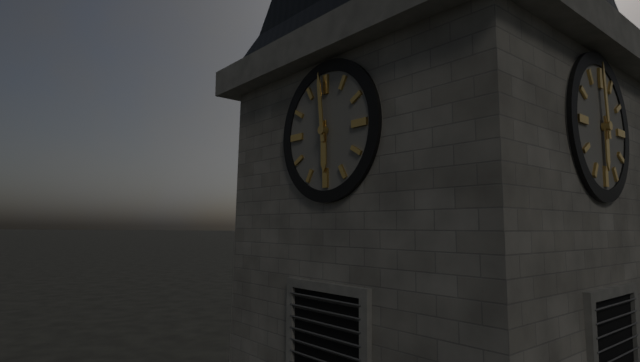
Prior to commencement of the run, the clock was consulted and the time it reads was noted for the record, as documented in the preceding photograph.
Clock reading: 5:59
